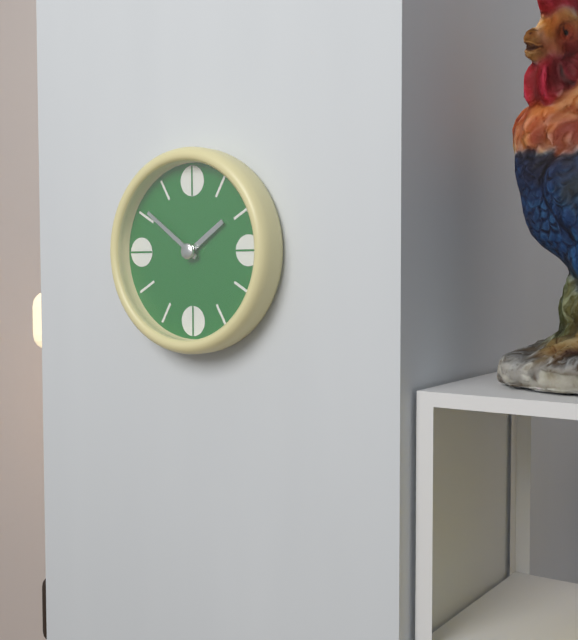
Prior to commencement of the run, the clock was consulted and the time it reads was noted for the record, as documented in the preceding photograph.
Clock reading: 1:51
